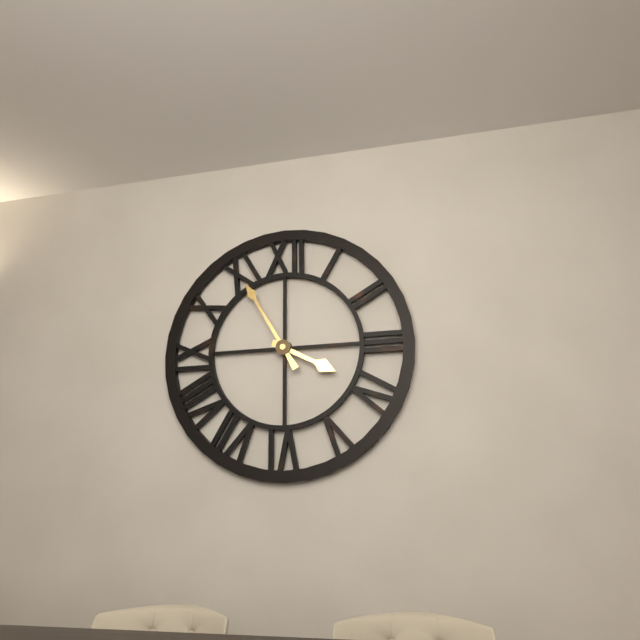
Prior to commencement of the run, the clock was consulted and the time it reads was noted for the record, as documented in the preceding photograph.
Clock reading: 3:55
